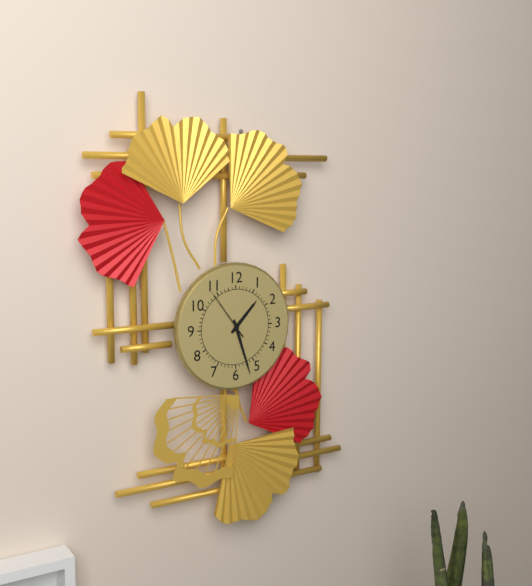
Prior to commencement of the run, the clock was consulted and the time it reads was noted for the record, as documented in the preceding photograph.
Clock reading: 1:27:54
